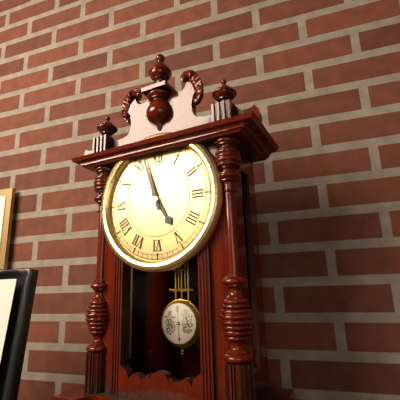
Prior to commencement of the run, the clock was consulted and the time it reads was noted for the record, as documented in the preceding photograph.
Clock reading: 4:57
